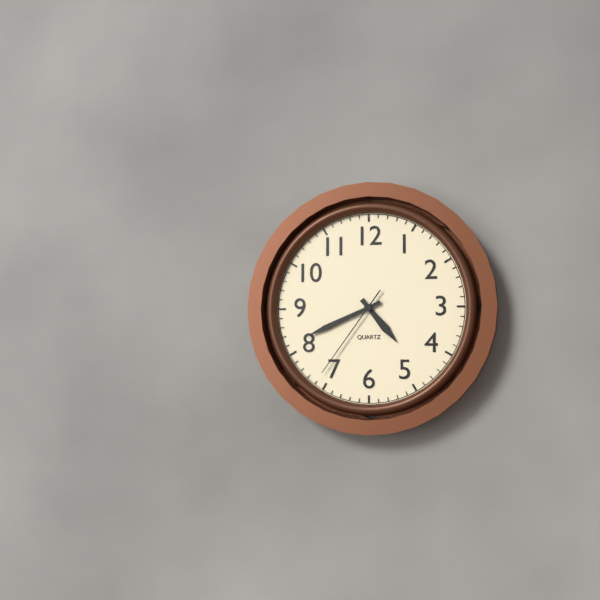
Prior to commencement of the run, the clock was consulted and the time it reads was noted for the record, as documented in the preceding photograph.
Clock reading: 4:41:36
